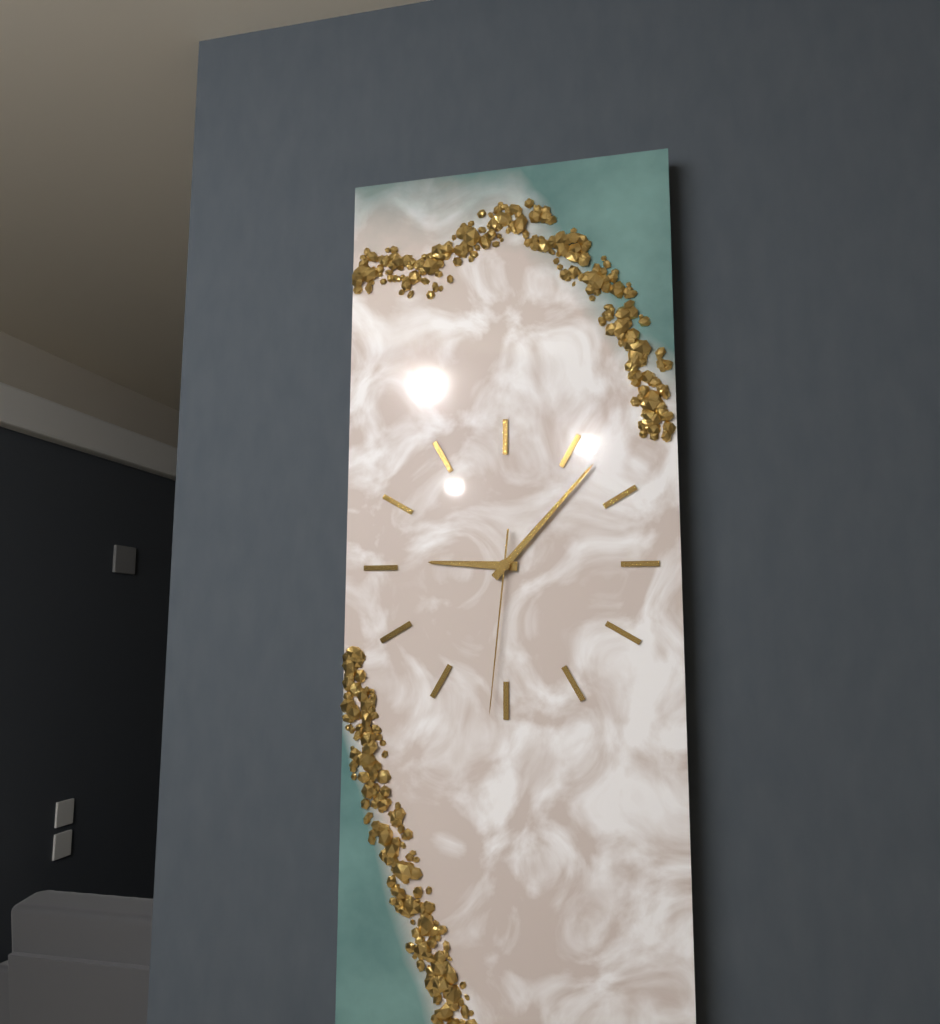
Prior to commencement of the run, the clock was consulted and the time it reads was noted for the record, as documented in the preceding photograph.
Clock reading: 9:07:31
